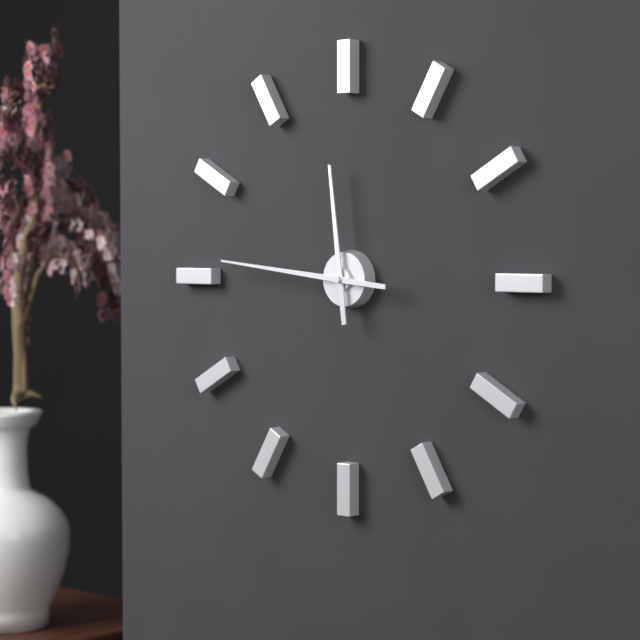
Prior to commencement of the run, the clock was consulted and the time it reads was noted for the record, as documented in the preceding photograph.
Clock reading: 11:46
